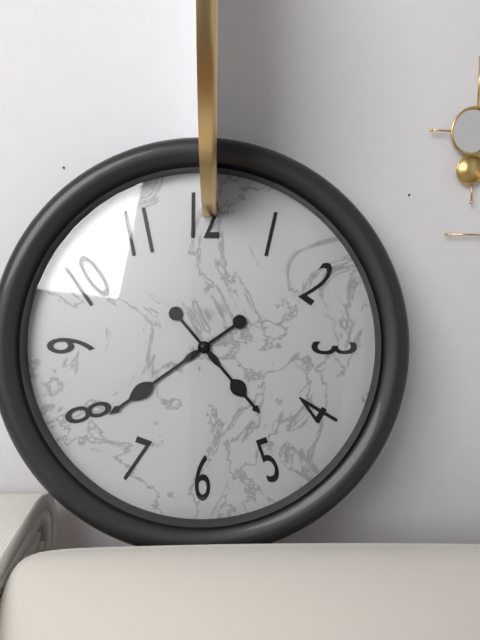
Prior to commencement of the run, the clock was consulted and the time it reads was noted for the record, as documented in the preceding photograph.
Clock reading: 4:39
